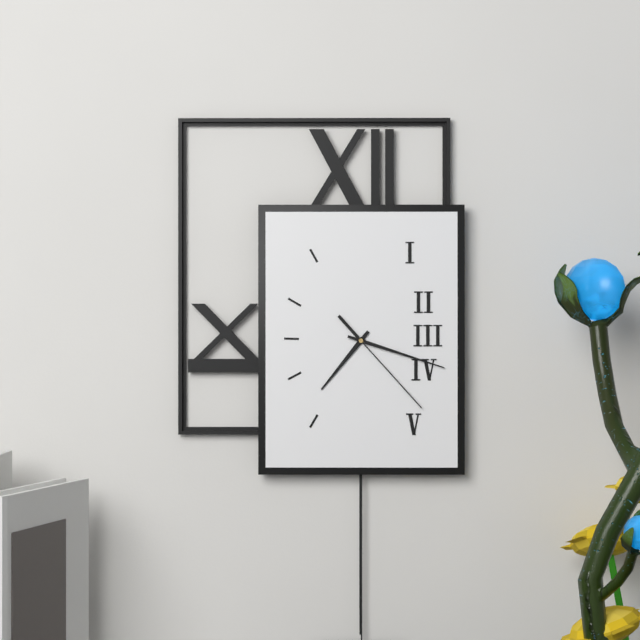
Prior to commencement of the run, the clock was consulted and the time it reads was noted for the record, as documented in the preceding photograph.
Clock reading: 7:18:23
